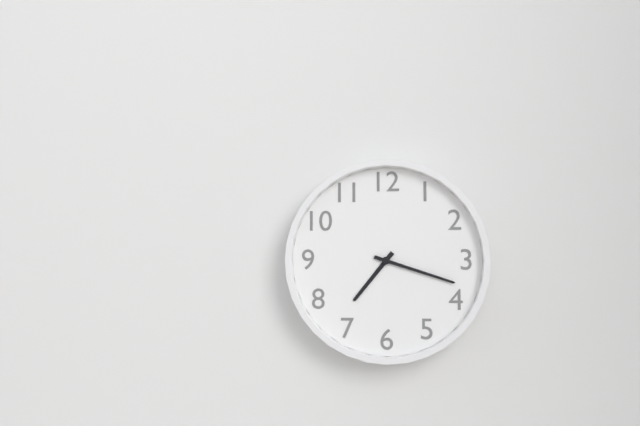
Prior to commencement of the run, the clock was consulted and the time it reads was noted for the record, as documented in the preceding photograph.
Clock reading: 7:18
